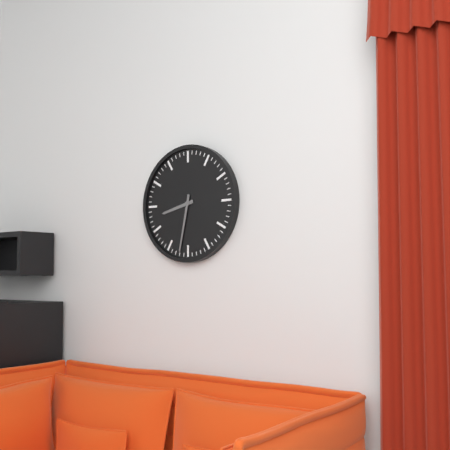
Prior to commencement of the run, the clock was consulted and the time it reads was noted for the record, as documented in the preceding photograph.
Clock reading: 8:32
